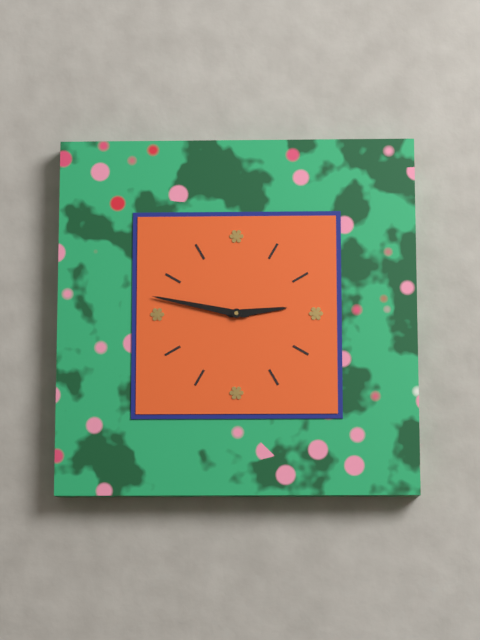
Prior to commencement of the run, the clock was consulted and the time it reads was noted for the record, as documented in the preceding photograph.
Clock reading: 2:47
